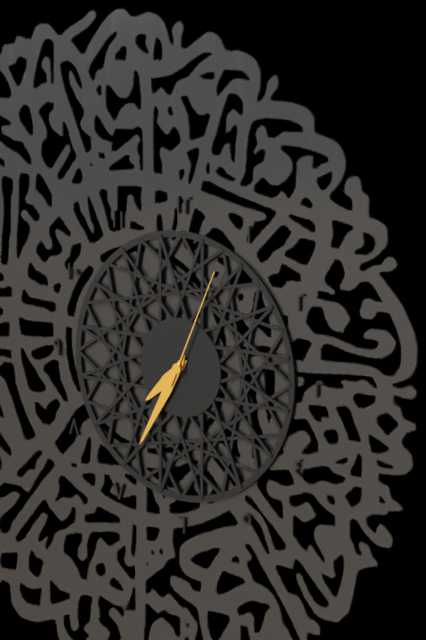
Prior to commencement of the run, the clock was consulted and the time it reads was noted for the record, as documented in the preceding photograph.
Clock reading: 7:35:04
